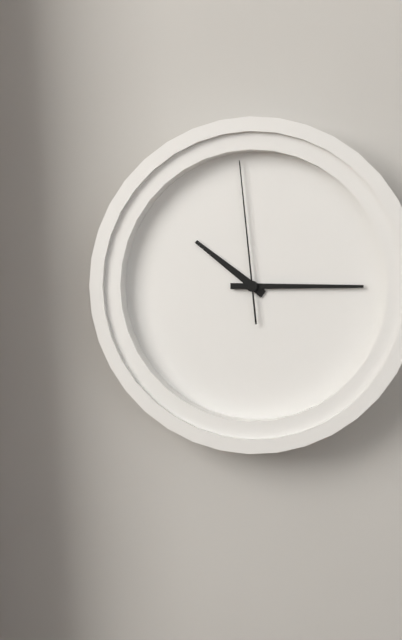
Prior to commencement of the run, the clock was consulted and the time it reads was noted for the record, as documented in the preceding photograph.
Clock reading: 10:15:59
